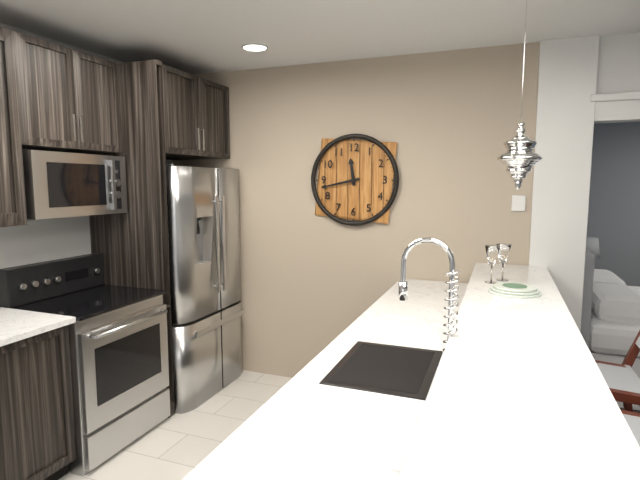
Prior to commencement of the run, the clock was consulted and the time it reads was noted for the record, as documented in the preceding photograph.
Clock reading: 11:43
